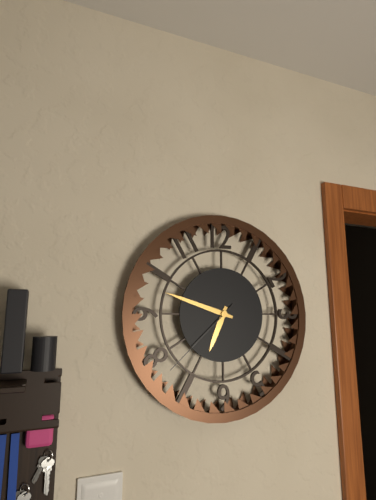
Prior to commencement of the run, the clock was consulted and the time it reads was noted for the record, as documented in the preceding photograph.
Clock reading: 6:48:38
